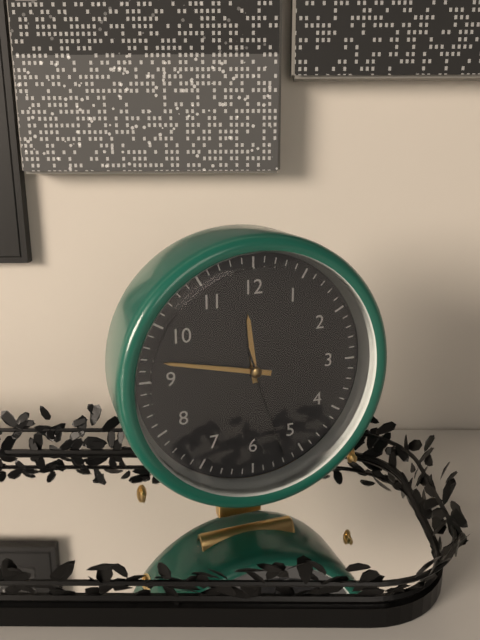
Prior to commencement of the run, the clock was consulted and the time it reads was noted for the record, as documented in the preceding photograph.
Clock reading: 11:47:27
